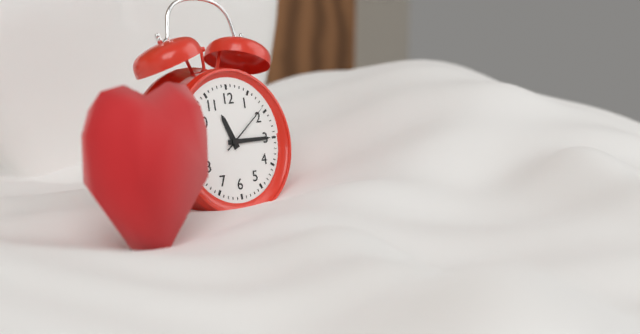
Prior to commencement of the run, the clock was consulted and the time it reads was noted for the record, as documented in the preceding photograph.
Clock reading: 11:15:09
